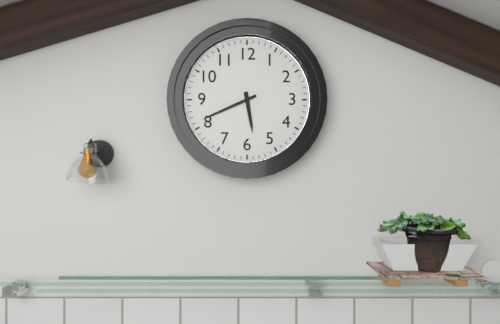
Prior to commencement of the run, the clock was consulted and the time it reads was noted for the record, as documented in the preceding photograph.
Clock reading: 5:41
